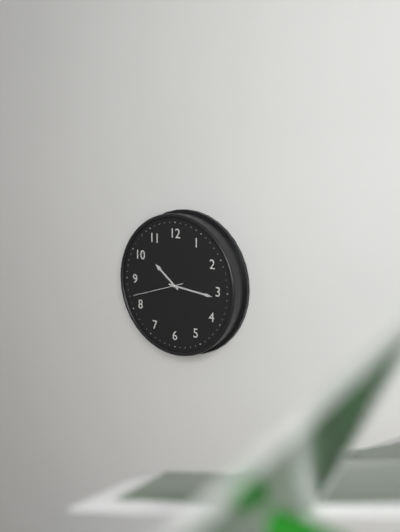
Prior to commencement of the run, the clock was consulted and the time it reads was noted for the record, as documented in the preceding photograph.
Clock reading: 10:16:42
